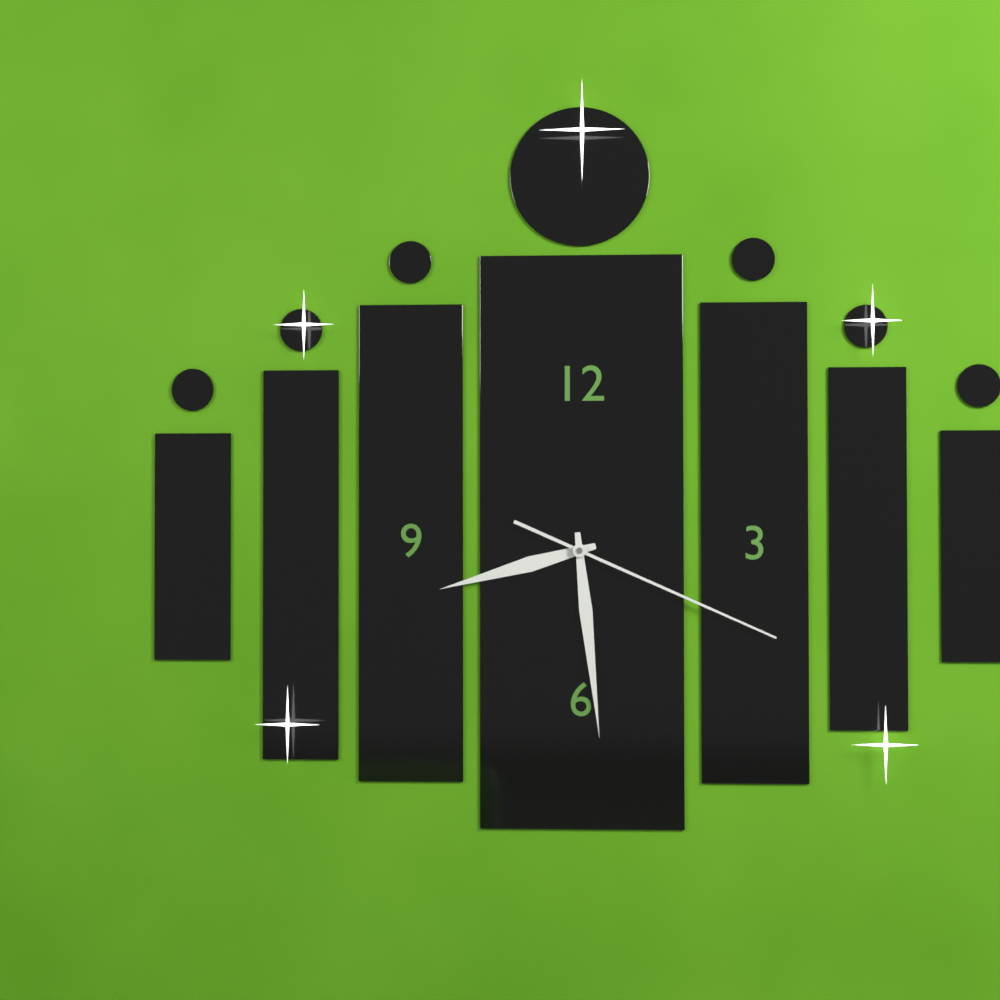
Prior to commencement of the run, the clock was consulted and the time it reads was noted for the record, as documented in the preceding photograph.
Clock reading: 8:29:19
